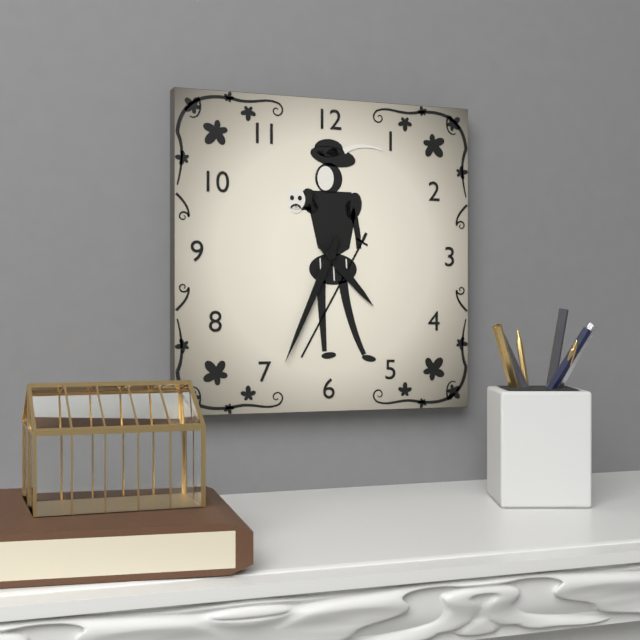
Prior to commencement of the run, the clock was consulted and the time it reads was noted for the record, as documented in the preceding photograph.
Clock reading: 4:34
